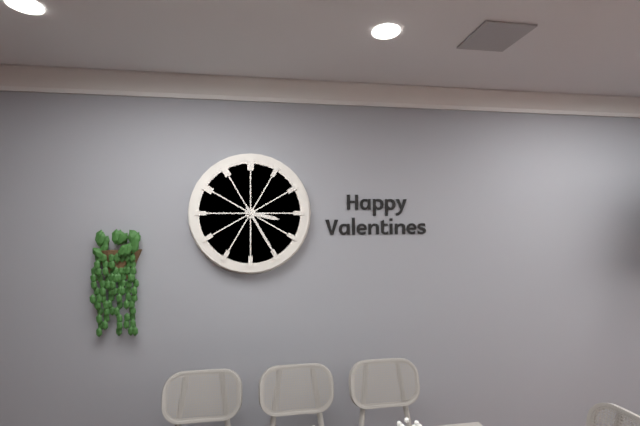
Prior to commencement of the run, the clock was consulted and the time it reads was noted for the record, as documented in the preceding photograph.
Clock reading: 3:25
